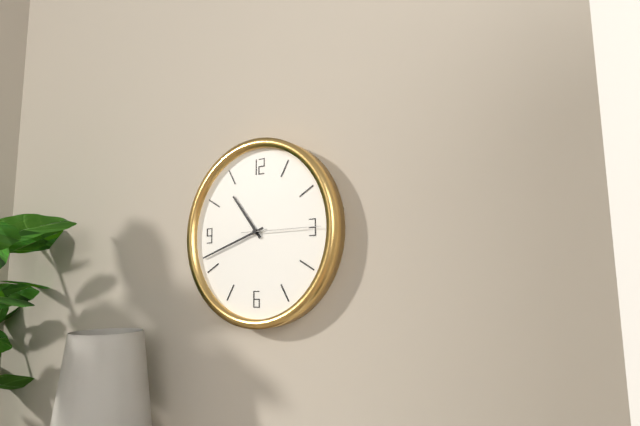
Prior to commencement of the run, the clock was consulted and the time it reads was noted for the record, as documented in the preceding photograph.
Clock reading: 10:42:15
